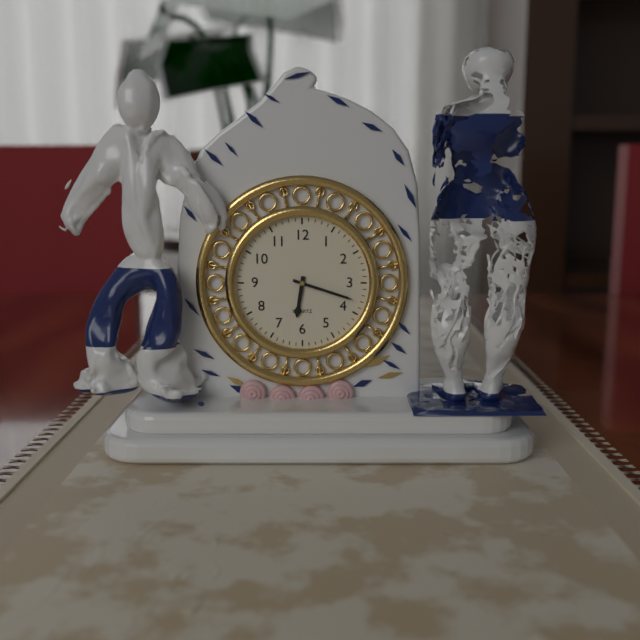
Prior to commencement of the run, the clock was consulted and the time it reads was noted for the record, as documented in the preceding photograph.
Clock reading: 6:18
